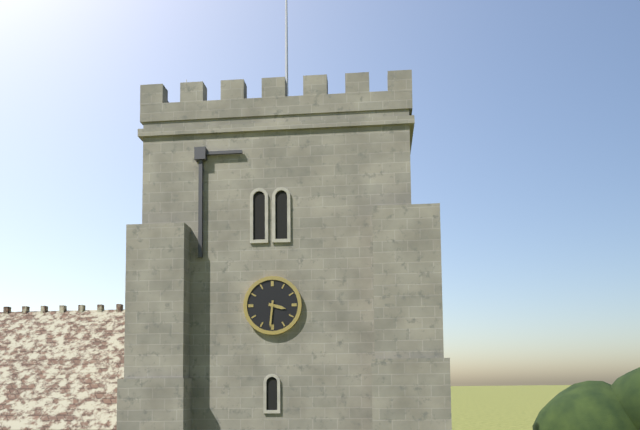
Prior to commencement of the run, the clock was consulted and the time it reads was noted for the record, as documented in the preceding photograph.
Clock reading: 3:31
